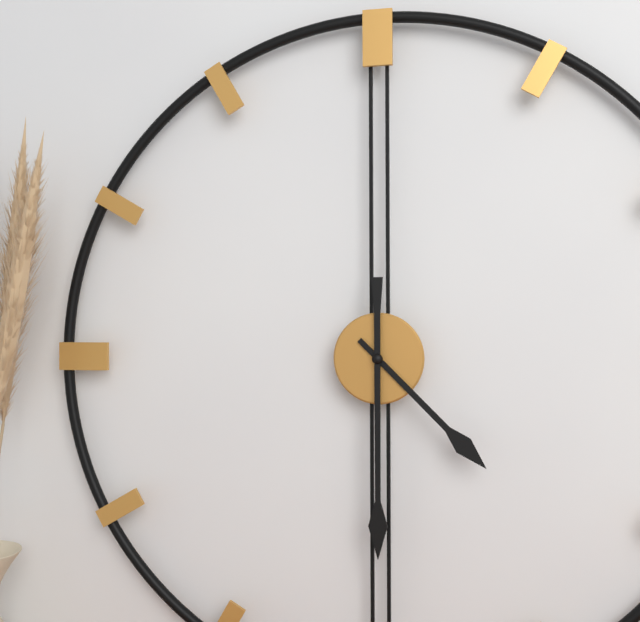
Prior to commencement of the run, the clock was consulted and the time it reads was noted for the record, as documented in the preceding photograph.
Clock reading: 4:30
